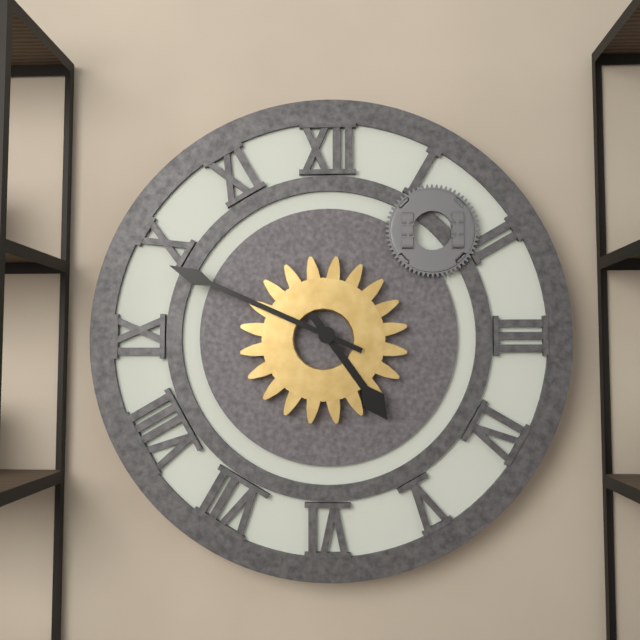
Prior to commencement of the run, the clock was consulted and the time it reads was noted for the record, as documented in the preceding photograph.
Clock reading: 4:49
